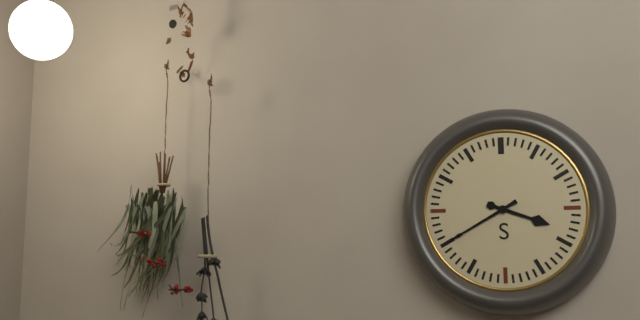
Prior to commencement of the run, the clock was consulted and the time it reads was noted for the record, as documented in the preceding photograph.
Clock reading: 3:40
